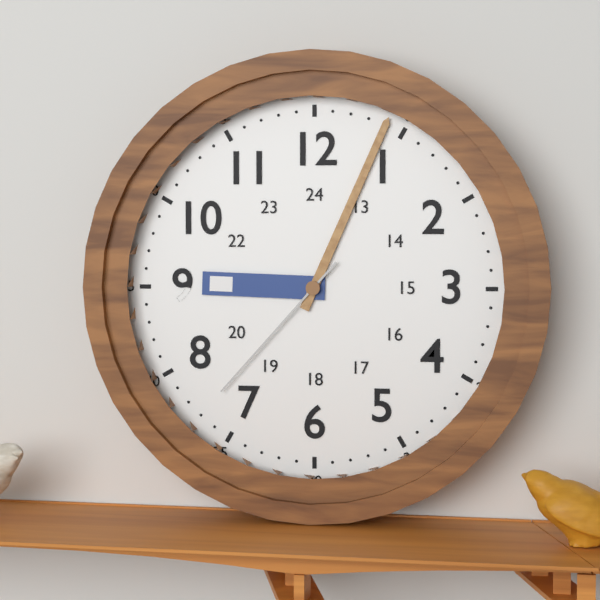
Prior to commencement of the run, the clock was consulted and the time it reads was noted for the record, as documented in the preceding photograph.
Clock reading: 9:04:37
